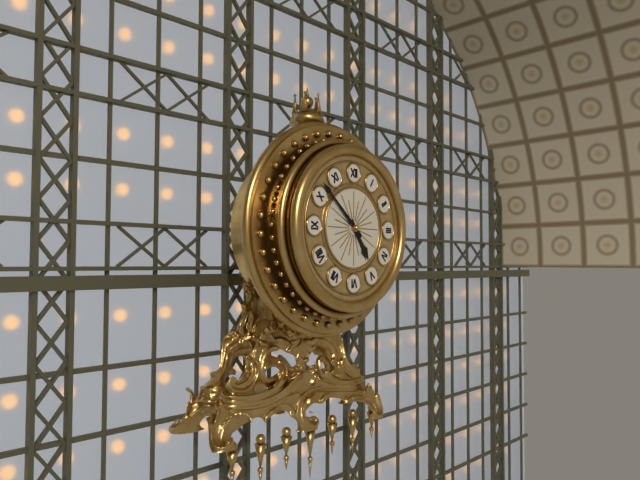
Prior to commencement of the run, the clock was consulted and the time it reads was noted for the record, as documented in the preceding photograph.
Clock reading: 4:52
